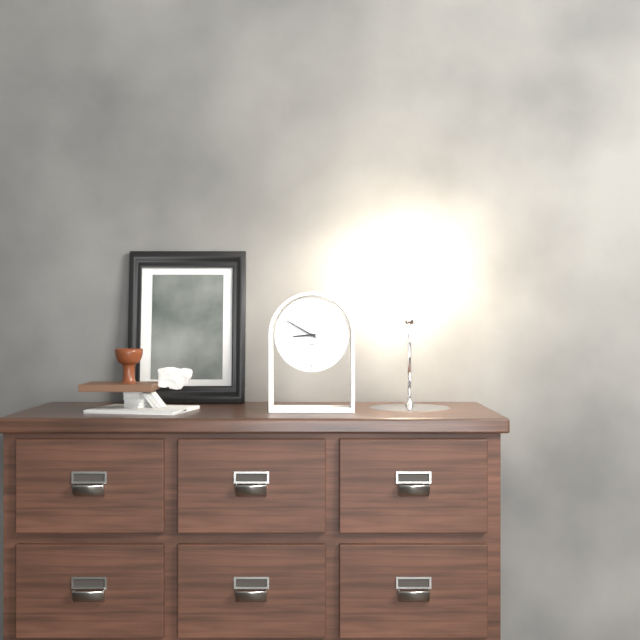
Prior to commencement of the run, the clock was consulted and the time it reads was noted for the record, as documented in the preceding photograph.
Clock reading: 8:50
